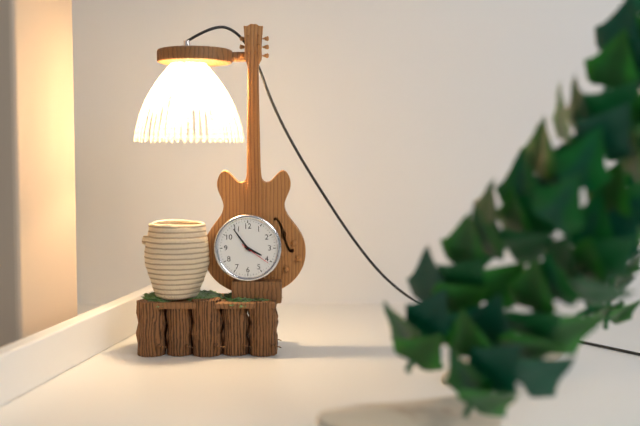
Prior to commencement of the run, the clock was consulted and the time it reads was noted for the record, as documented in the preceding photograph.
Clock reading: 3:54
